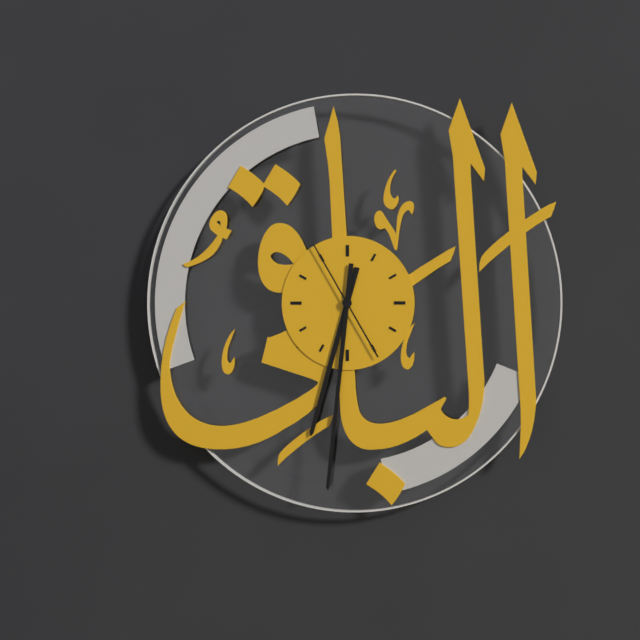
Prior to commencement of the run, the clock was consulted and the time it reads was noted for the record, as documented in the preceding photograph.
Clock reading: 6:31:55
